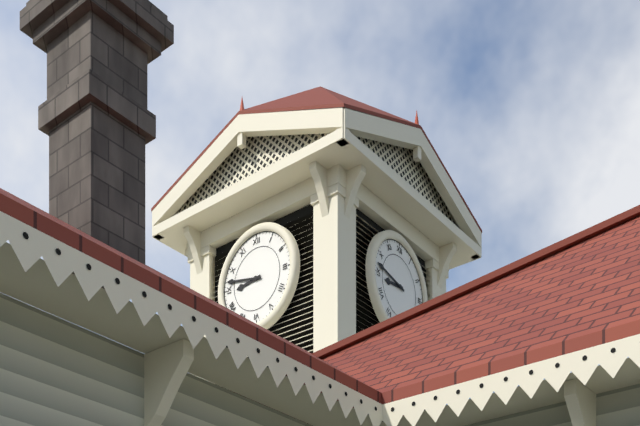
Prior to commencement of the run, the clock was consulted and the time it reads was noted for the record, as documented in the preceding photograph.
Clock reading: 8:47
